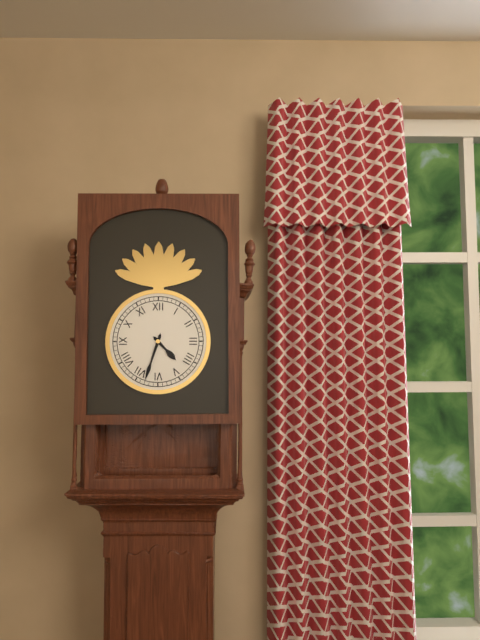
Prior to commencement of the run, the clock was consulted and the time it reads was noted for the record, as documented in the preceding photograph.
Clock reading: 4:33
